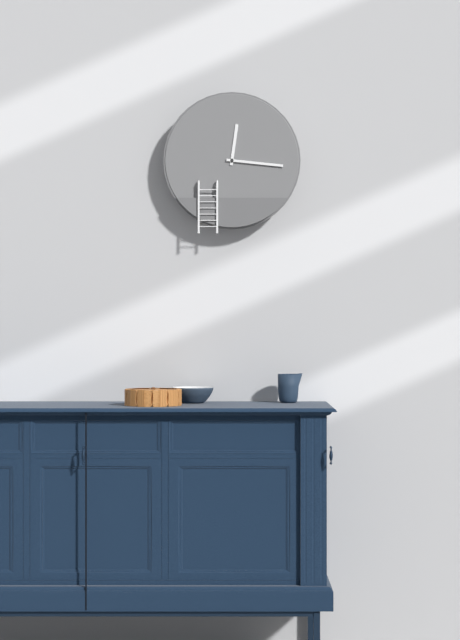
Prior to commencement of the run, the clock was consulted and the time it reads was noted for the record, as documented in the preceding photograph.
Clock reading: 12:16
